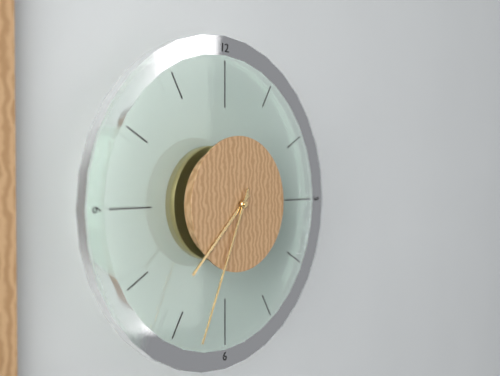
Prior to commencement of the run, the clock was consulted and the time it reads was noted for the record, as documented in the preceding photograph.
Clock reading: 7:34
